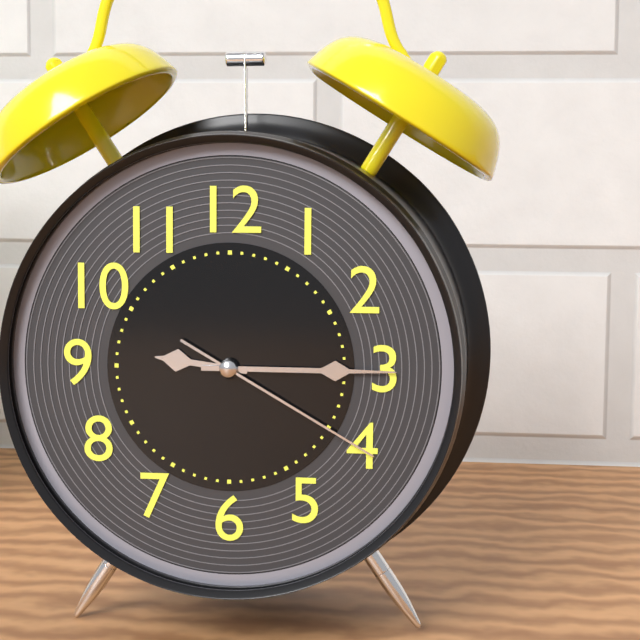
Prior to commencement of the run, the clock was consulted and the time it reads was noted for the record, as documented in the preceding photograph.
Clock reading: 9:15:20
